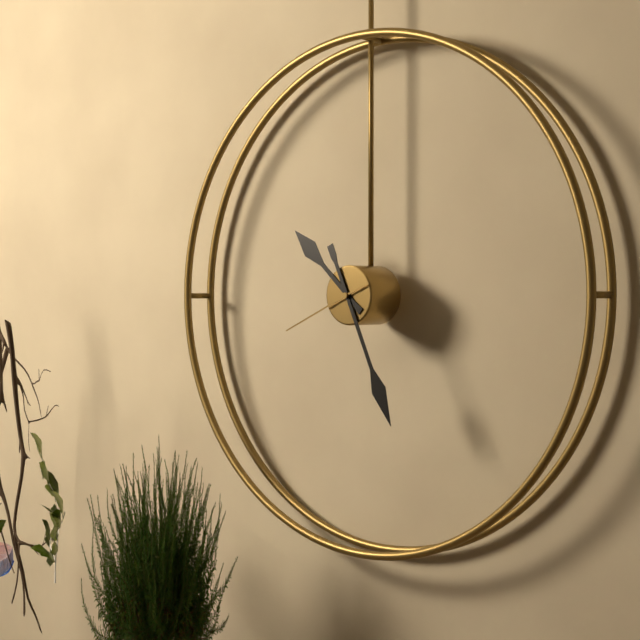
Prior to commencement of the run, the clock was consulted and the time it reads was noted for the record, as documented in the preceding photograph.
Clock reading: 10:26:41
